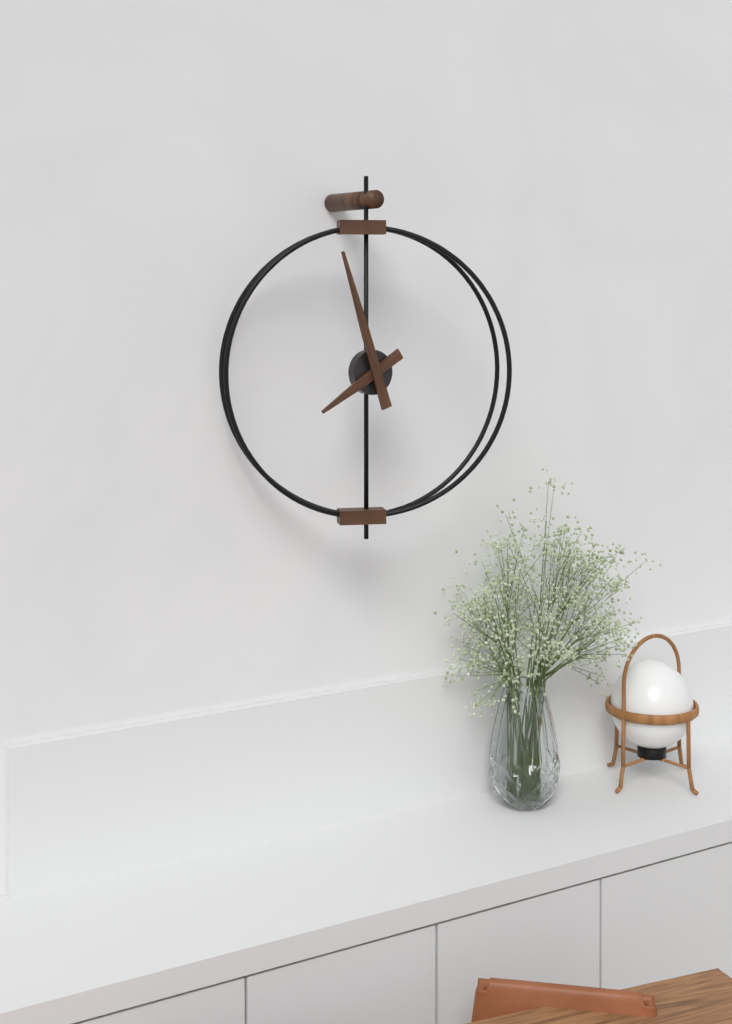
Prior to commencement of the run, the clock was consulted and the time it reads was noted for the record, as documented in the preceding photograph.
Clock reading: 7:57
